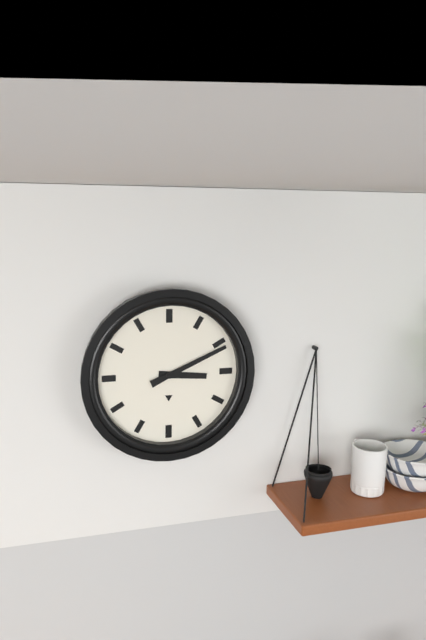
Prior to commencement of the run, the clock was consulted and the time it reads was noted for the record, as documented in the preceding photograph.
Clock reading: 3:11
